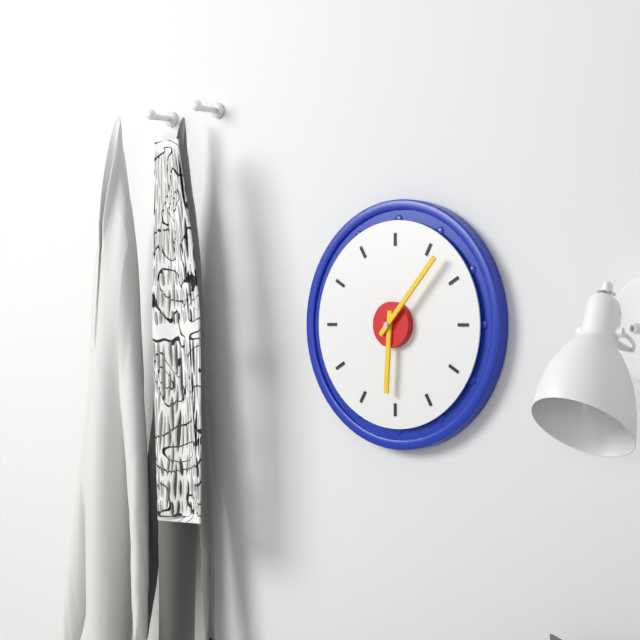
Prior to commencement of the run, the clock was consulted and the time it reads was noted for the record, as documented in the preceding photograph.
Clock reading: 6:07
